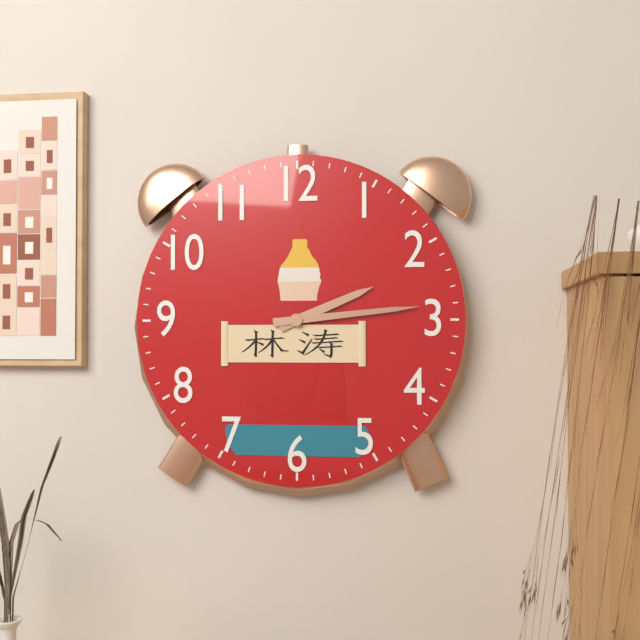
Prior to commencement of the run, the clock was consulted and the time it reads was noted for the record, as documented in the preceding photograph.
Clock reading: 2:14
